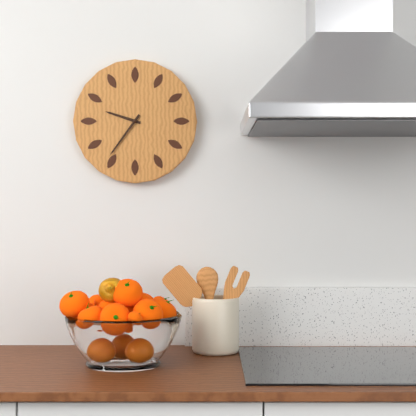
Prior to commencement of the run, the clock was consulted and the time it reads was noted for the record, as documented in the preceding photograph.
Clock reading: 9:36
